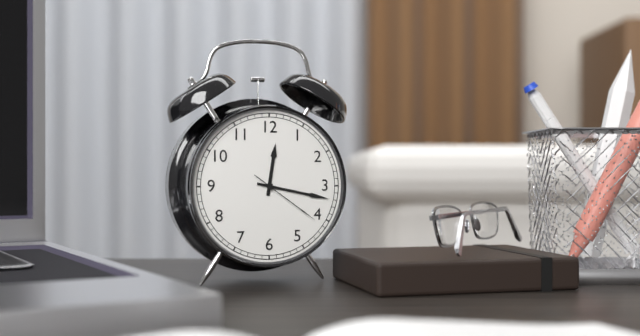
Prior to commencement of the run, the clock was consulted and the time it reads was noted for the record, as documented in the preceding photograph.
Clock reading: 12:17:21
